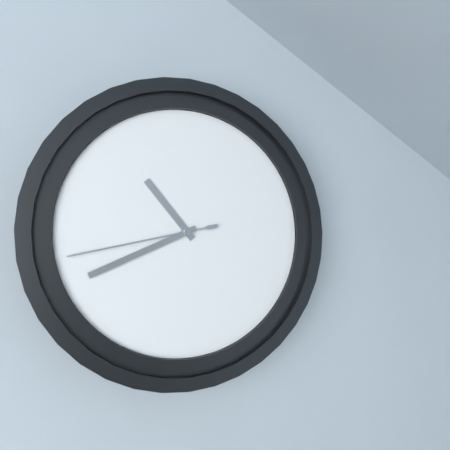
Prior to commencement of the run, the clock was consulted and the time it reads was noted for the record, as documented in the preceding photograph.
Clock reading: 10:41:43
